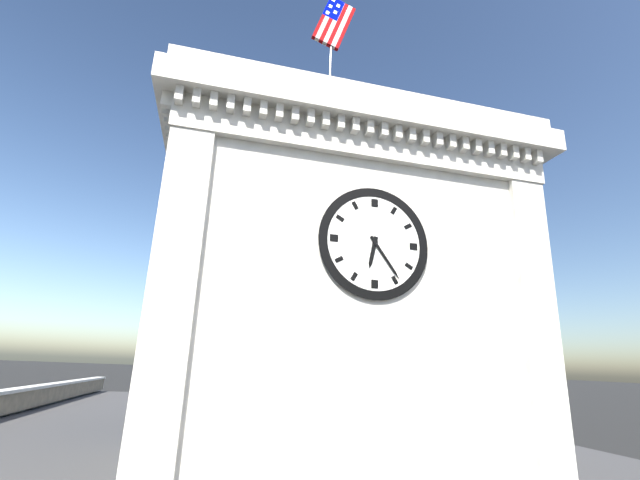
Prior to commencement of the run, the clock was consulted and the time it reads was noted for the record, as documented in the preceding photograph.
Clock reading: 6:24
